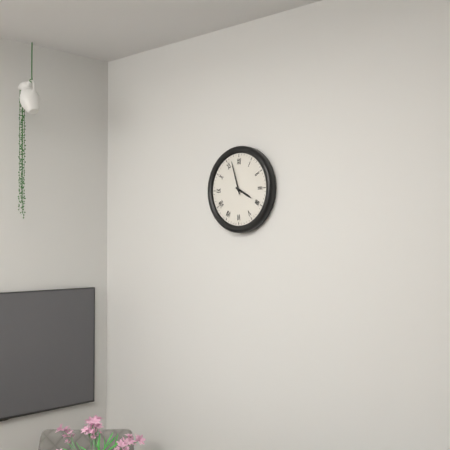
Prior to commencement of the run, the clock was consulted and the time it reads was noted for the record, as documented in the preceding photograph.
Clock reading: 3:57
